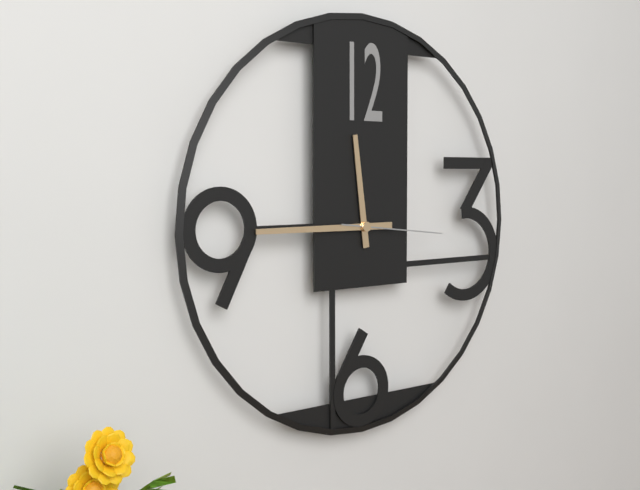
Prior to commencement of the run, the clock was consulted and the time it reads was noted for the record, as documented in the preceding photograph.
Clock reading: 11:45:16
